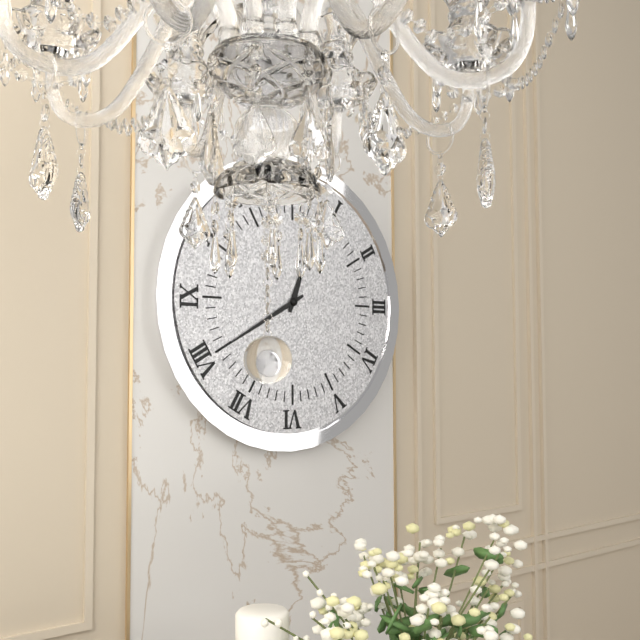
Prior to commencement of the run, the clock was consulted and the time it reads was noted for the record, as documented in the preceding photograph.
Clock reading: 12:40
